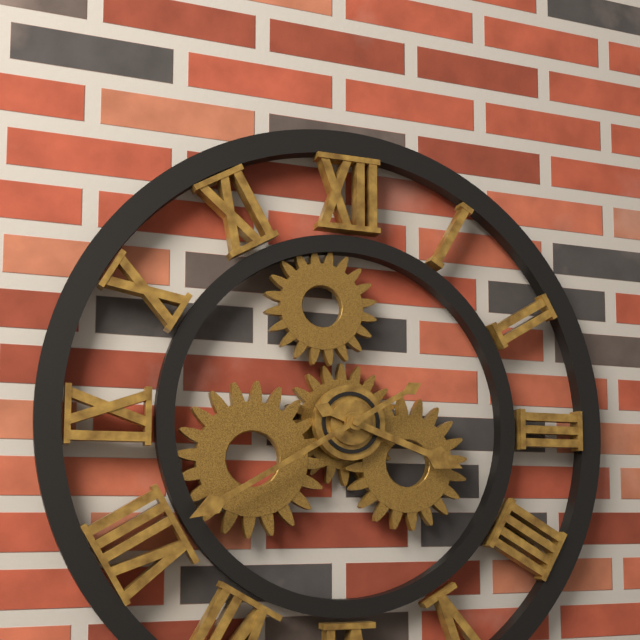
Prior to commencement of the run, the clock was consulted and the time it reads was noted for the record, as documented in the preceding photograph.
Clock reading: 3:40
